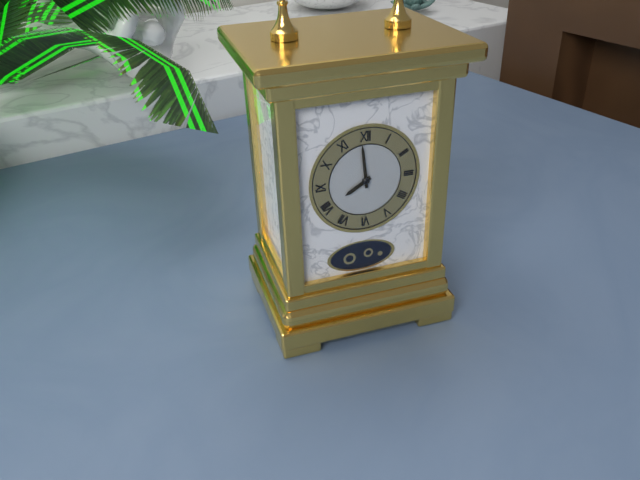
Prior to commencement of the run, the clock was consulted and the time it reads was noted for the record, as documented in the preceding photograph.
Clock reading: 7:59
